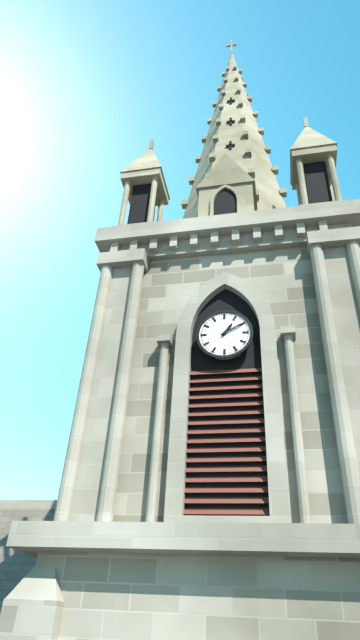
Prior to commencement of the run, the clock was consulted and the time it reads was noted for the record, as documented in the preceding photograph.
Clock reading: 1:10
